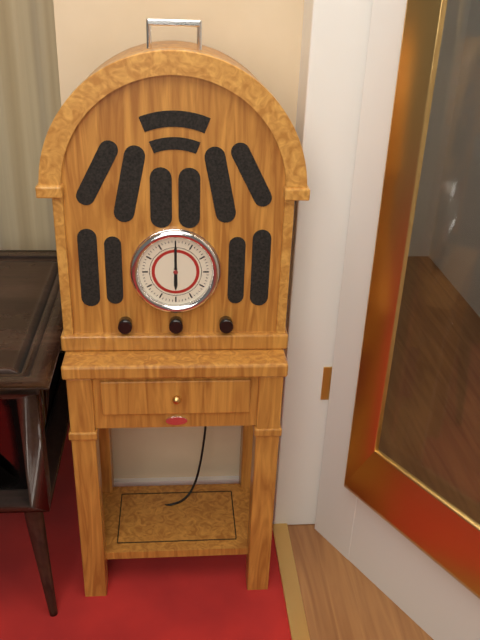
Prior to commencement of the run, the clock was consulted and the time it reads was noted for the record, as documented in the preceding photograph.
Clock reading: 6:00
